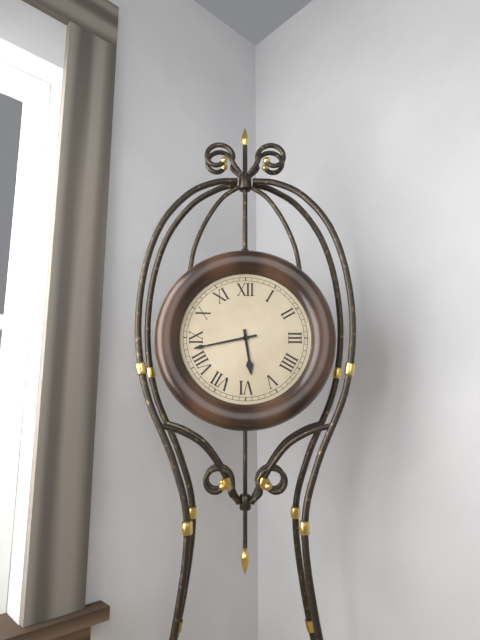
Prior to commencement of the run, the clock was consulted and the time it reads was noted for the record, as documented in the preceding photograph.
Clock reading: 5:43
